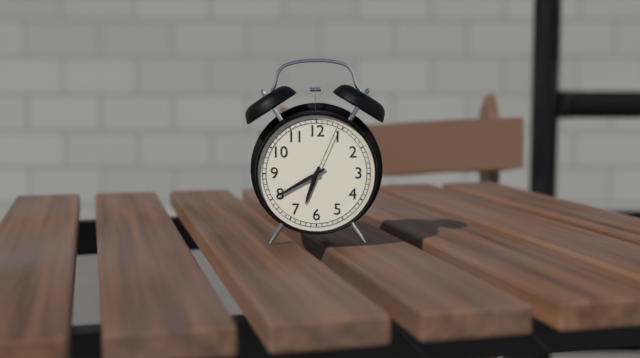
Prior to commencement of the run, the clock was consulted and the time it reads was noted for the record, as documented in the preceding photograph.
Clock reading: 6:40:04
